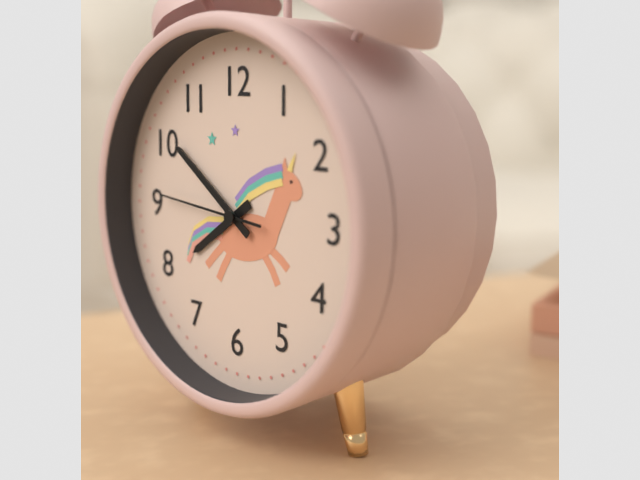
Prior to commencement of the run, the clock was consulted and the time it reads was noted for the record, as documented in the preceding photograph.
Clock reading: 7:51:46
